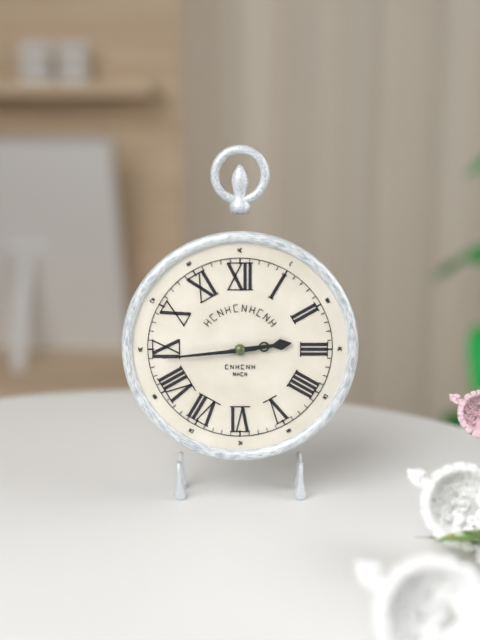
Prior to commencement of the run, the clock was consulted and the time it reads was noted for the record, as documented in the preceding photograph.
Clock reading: 2:44
